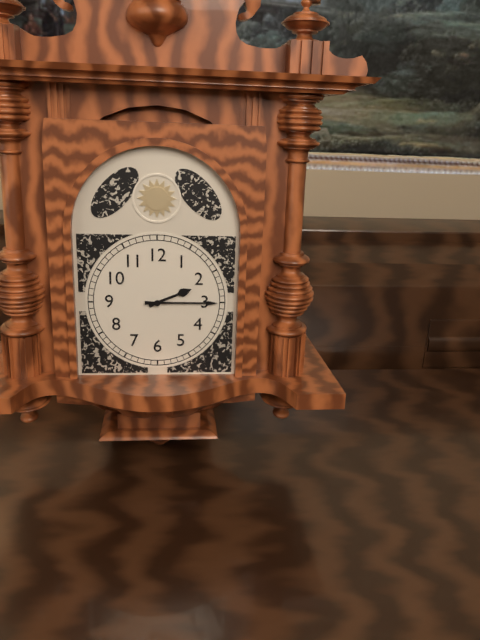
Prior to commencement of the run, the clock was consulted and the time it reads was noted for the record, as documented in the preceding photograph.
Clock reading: 2:15
